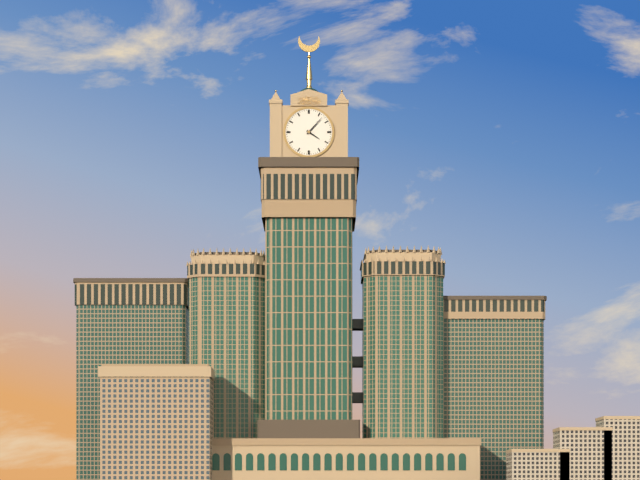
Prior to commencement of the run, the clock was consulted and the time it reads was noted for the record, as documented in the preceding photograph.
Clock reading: 4:07
